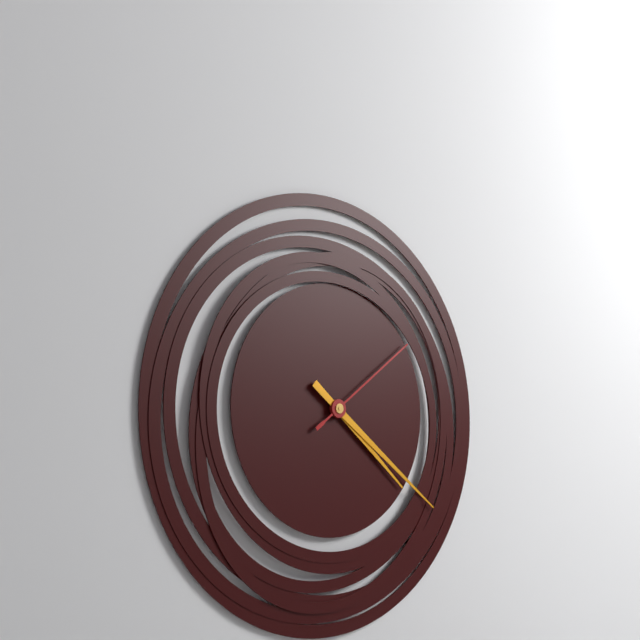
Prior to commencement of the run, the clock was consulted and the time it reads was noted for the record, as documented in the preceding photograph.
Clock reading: 4:21:09
